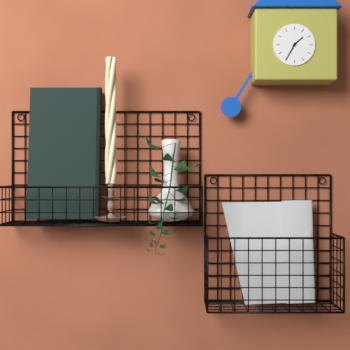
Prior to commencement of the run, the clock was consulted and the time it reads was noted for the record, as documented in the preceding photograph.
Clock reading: 1:35
